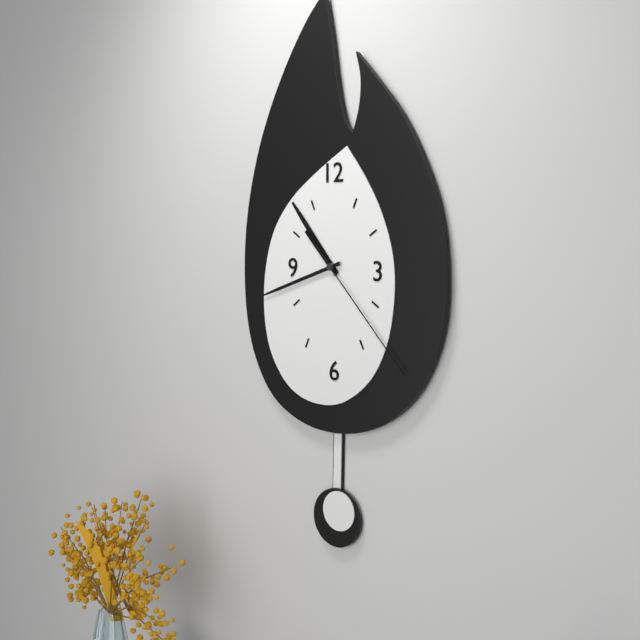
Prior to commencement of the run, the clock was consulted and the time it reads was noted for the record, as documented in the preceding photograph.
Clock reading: 10:42:23
